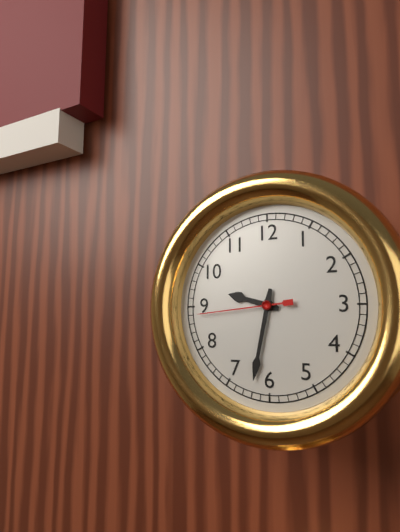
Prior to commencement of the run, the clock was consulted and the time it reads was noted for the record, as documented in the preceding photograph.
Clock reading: 9:32:44
